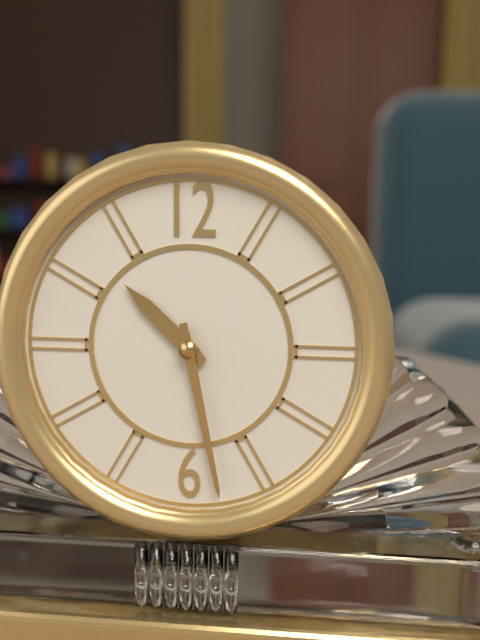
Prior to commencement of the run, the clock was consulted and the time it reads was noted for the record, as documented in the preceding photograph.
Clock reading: 10:28
